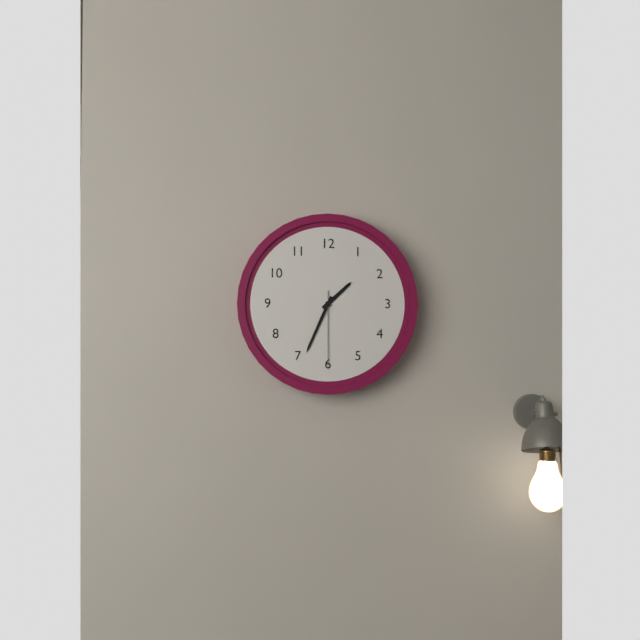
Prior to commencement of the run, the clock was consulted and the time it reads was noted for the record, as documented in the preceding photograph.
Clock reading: 1:34:30
